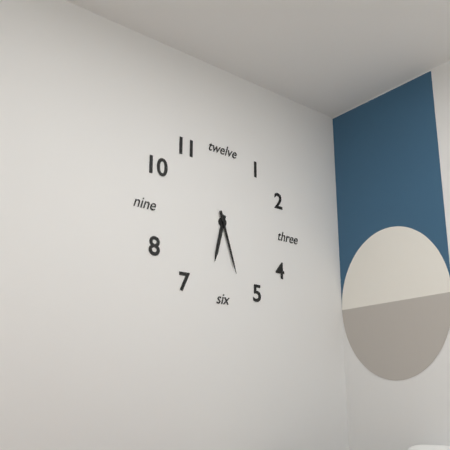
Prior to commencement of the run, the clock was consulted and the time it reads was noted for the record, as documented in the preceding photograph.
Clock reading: 6:27
